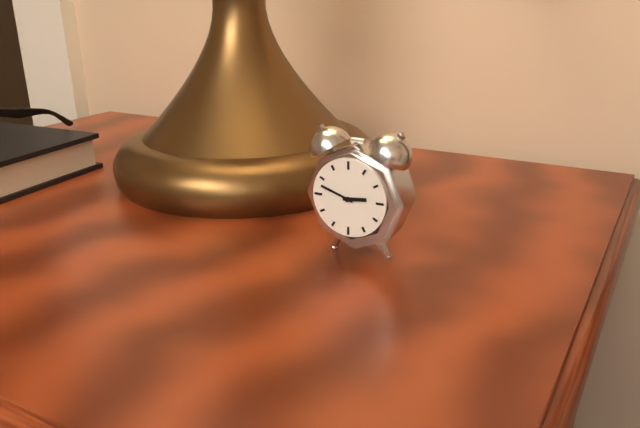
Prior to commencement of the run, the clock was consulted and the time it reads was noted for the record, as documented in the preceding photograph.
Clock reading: 2:48
